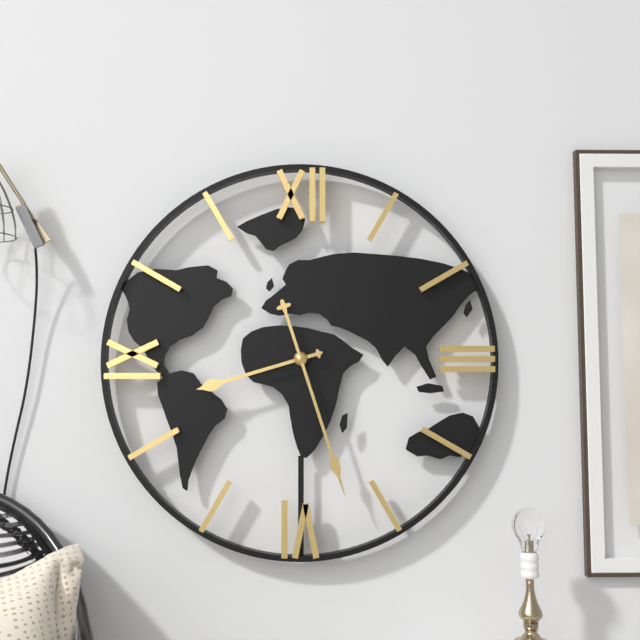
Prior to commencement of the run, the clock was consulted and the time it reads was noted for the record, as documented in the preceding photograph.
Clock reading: 8:27
